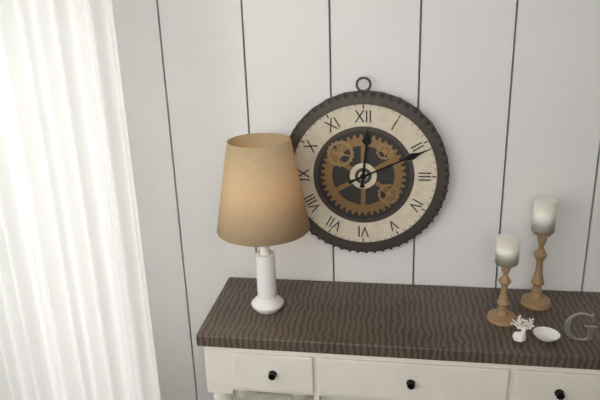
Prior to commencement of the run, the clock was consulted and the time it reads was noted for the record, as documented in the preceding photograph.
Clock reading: 12:11
